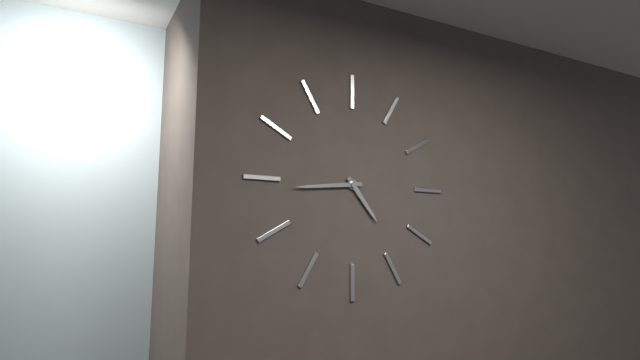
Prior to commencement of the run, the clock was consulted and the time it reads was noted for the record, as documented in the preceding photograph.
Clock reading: 4:44
